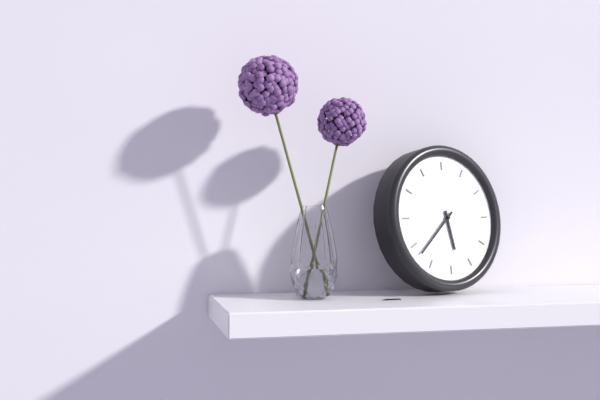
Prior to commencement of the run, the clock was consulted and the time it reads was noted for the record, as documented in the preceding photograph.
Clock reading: 5:38
